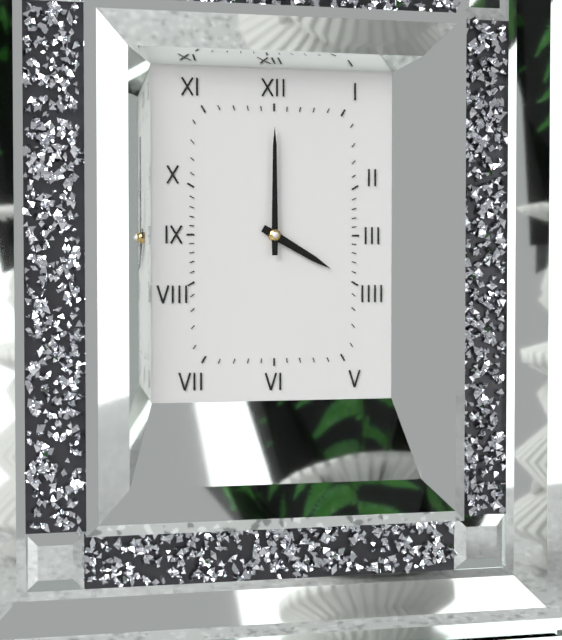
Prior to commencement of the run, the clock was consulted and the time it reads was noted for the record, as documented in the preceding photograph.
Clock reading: 4:00
